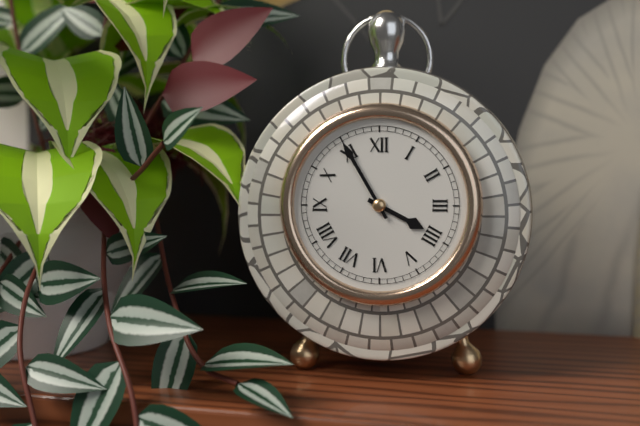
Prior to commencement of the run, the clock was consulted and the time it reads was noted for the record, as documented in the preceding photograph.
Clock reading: 3:55
